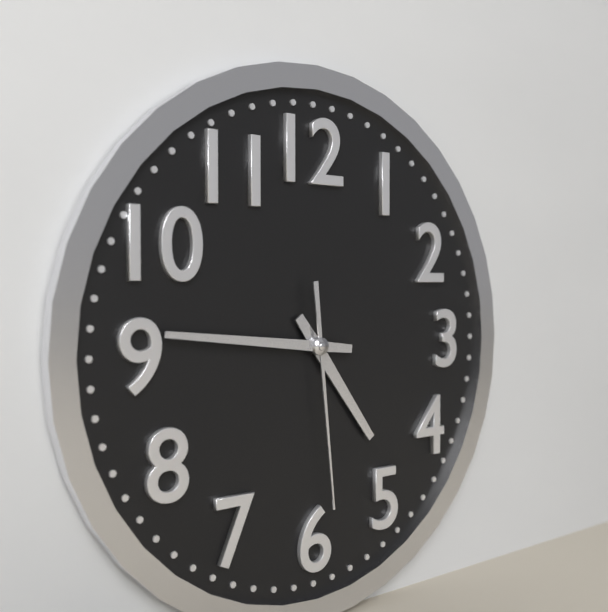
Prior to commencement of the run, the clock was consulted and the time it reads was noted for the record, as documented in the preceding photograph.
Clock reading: 4:46:29
